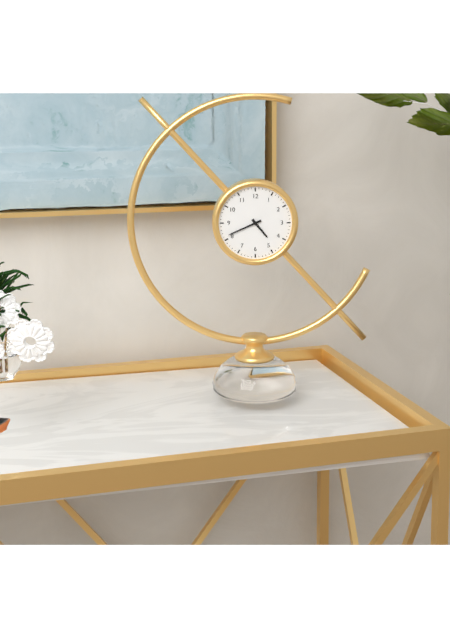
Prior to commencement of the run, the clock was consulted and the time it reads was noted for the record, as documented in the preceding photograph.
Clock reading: 4:41
